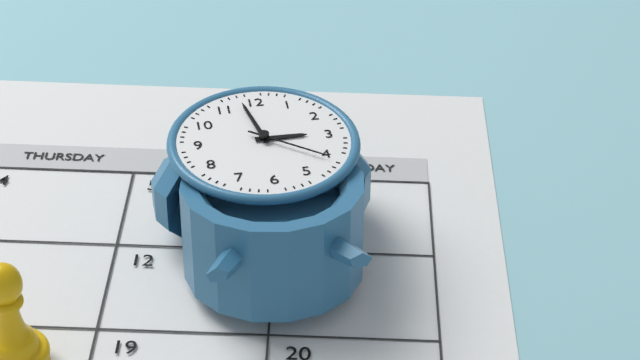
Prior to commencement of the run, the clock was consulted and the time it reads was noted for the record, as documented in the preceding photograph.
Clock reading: 2:58:21
